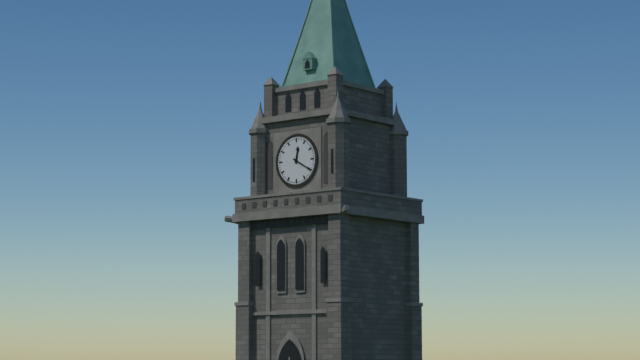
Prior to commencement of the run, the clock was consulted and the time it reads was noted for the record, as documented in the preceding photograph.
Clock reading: 12:20
